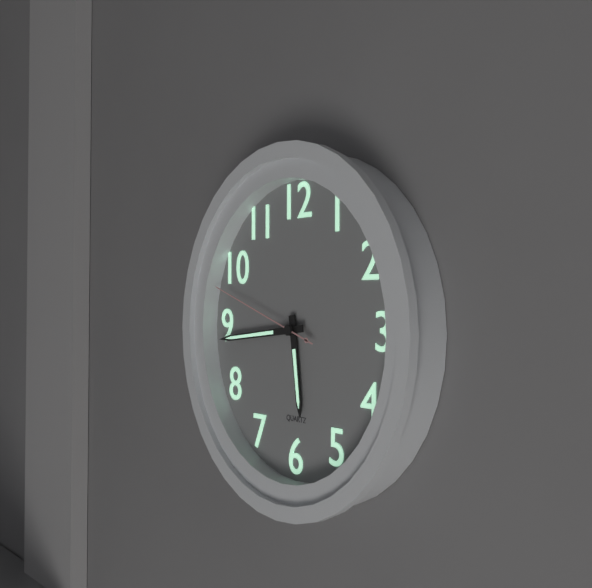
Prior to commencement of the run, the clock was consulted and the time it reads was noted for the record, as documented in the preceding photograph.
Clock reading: 5:44:48
